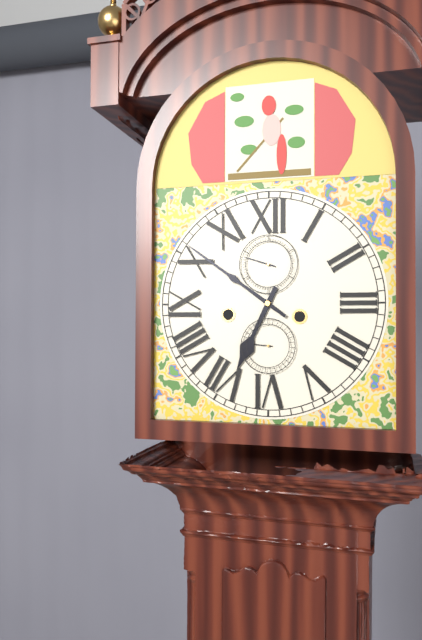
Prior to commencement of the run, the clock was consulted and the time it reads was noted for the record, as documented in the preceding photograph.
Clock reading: 6:51
